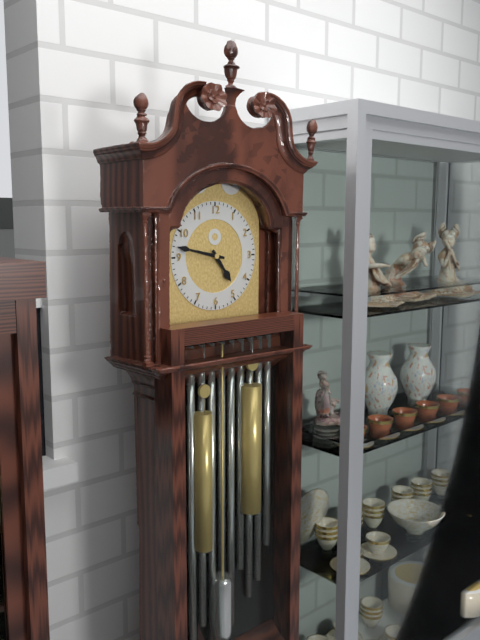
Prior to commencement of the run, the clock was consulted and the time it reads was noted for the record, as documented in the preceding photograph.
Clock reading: 4:47
